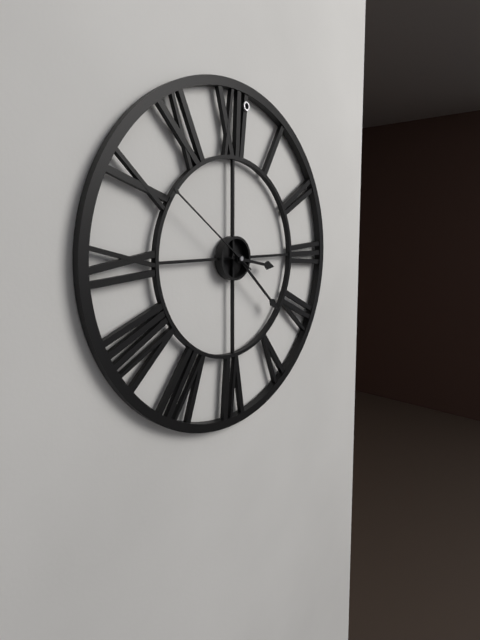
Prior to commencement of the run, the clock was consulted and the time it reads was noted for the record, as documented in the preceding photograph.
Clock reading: 3:22:51
